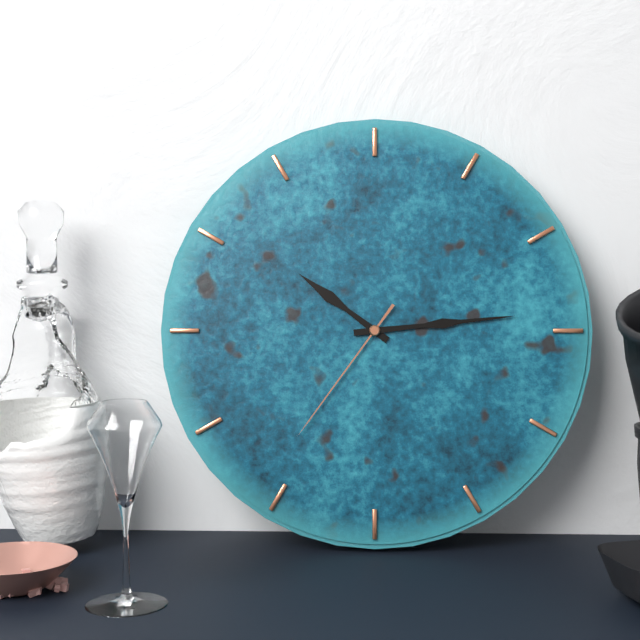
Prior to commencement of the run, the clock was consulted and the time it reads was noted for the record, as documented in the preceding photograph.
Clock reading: 10:14:36
